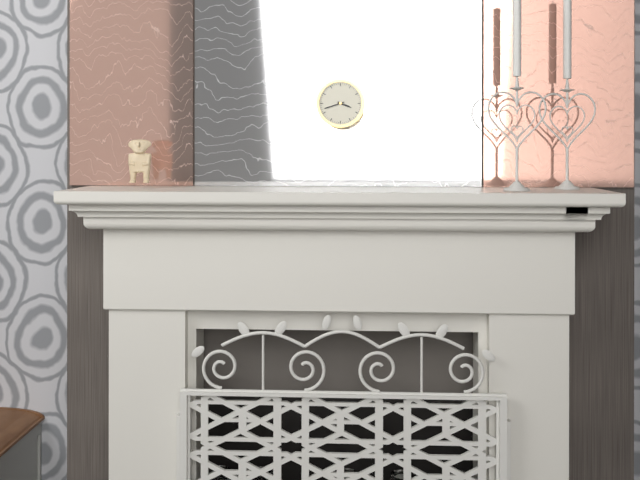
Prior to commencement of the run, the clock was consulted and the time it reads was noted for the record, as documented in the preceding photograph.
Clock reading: 3:42
